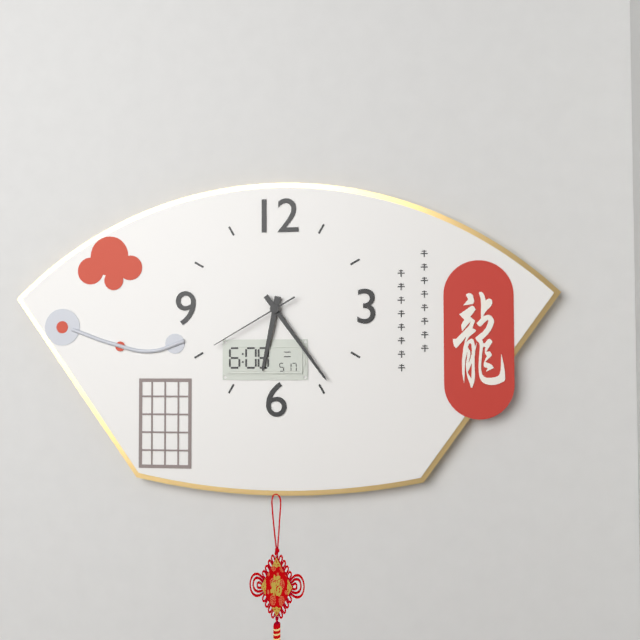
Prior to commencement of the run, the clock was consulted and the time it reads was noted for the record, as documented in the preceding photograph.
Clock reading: 6:24:40
